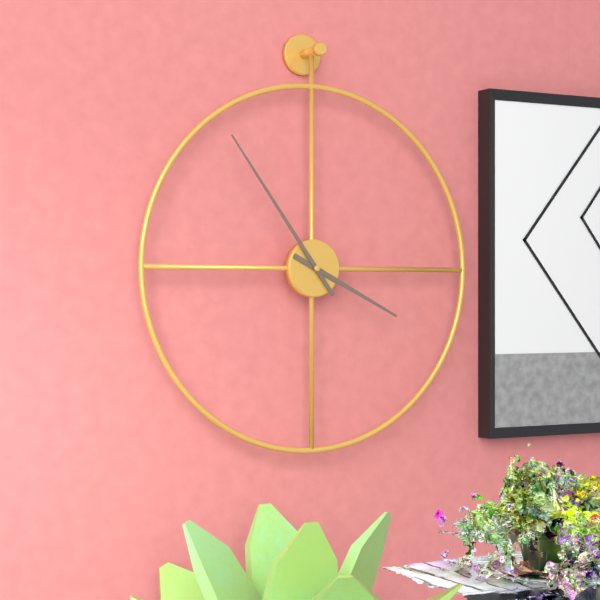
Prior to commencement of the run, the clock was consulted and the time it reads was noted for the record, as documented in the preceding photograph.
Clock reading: 3:54
